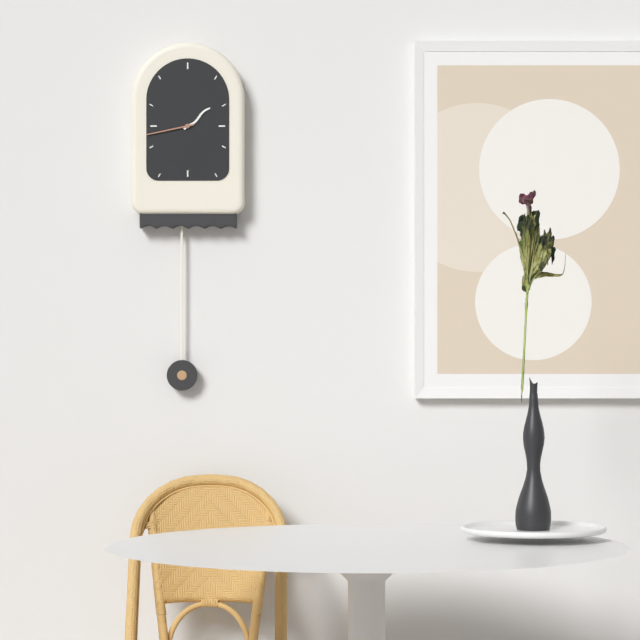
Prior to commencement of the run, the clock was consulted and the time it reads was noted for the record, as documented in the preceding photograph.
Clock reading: 1:43
